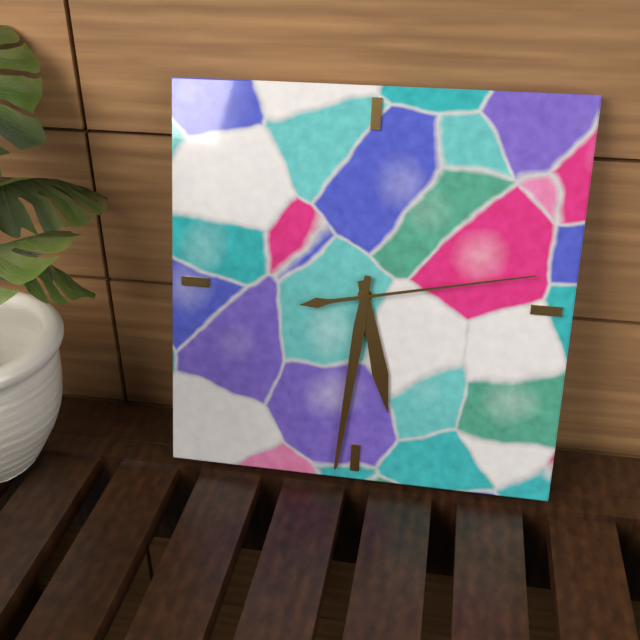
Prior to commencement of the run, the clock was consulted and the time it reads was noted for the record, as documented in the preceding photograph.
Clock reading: 5:31:13
